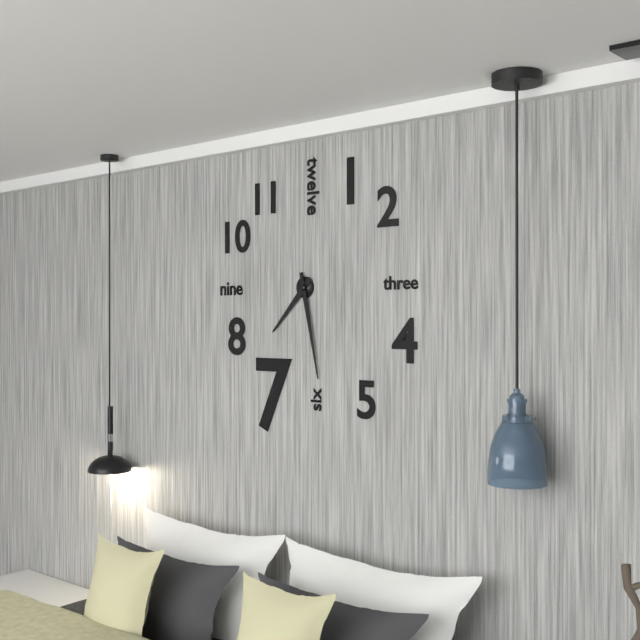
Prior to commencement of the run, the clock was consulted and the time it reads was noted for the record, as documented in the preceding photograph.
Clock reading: 7:28
